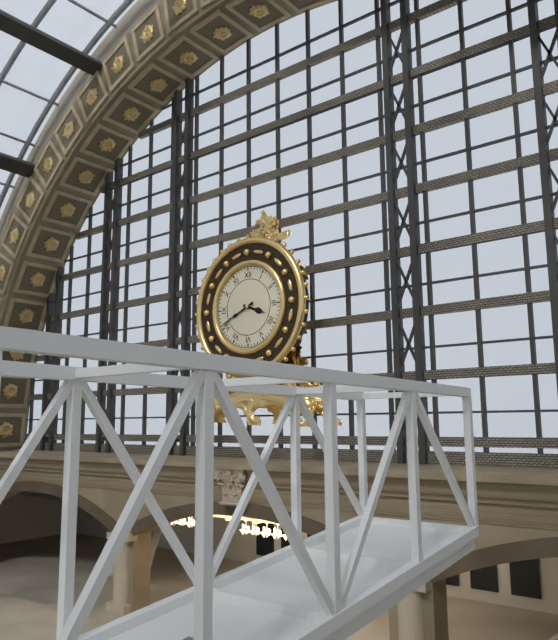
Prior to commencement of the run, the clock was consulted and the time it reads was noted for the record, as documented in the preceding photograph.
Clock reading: 3:41
